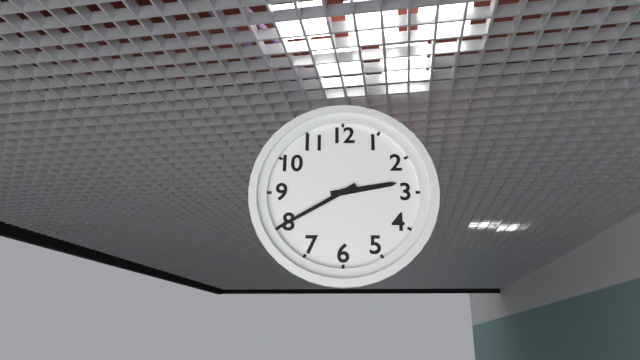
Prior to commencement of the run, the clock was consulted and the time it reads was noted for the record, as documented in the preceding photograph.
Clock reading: 2:40
